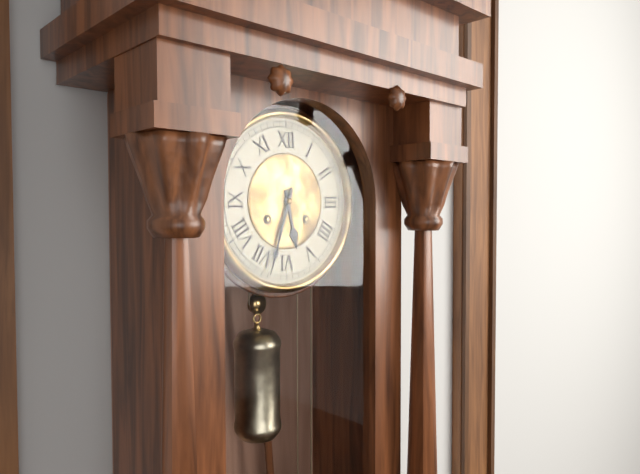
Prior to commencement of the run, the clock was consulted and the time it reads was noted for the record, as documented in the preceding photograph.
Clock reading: 5:33
